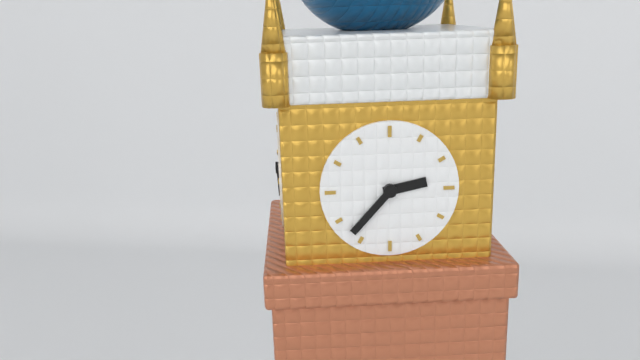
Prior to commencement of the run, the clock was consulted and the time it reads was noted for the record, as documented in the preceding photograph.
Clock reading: 2:37
